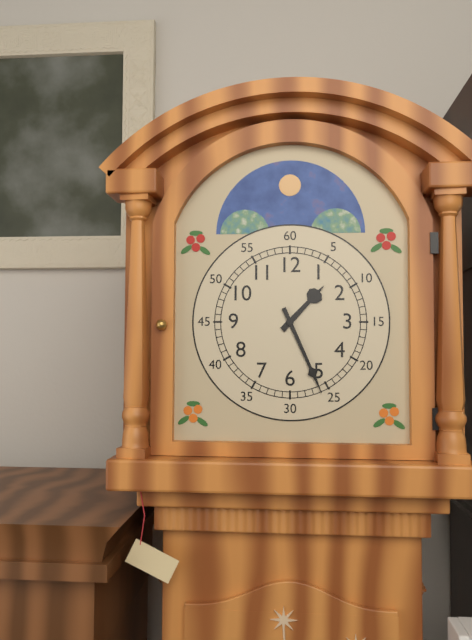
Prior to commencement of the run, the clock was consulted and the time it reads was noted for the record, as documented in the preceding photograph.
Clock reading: 1:26
